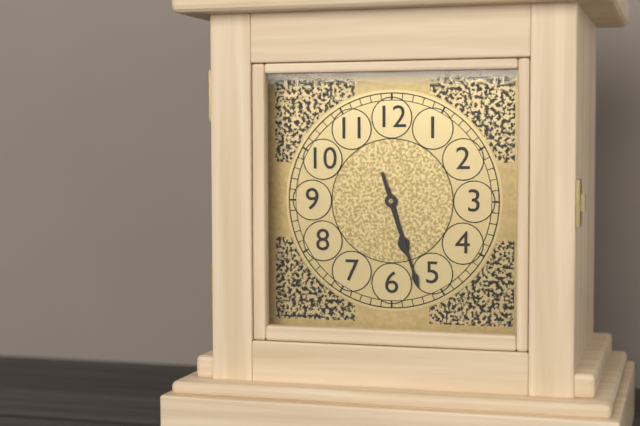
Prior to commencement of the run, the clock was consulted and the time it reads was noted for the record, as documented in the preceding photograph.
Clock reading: 5:27
